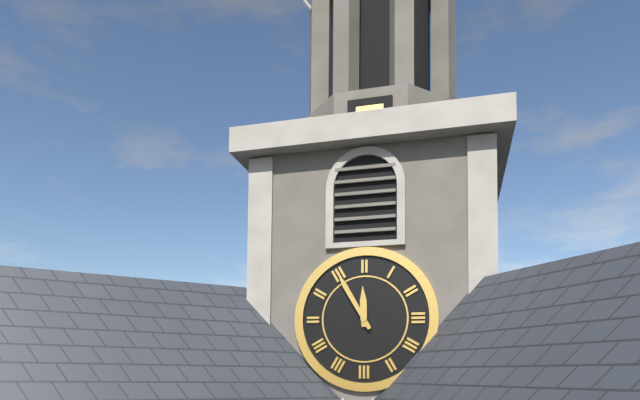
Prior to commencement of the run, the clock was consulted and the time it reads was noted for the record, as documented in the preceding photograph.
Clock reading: 11:55
